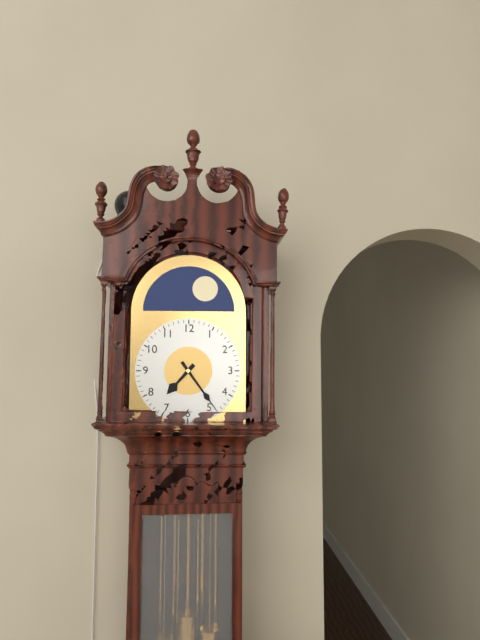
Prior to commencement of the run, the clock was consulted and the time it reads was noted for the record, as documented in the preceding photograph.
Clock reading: 7:24
